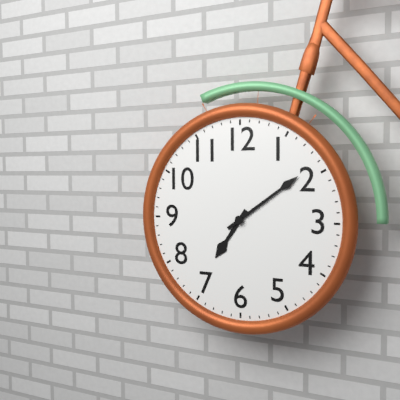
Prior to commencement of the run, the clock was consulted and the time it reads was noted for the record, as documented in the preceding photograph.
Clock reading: 7:09
